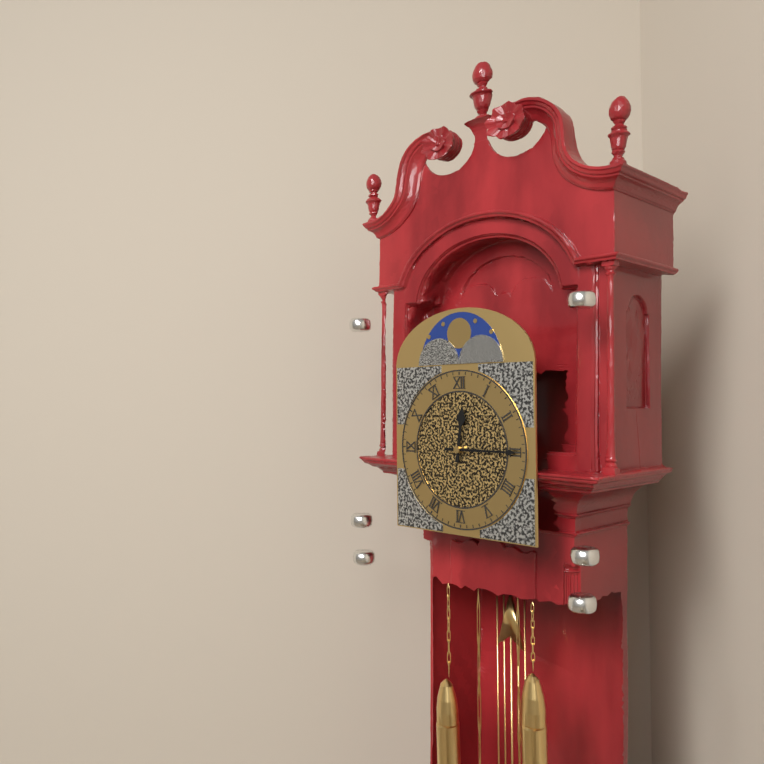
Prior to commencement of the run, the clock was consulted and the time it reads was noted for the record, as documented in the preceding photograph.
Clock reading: 12:15
